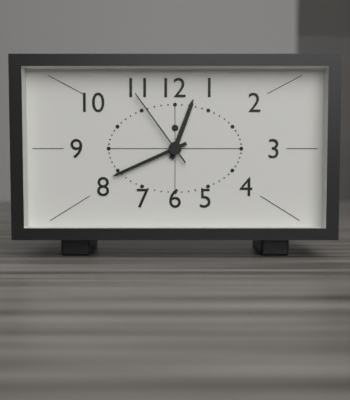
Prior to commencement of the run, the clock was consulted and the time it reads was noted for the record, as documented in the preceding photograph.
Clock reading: 12:41:54
